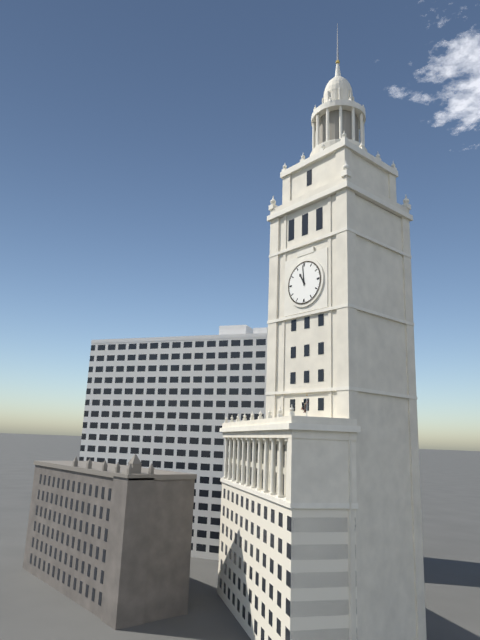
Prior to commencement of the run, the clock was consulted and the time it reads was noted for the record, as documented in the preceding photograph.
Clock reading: 10:59
